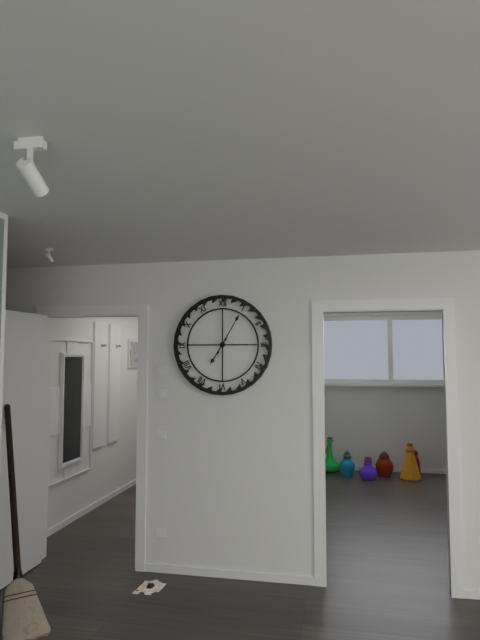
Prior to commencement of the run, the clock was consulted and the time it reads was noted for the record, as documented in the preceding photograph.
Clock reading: 7:05
